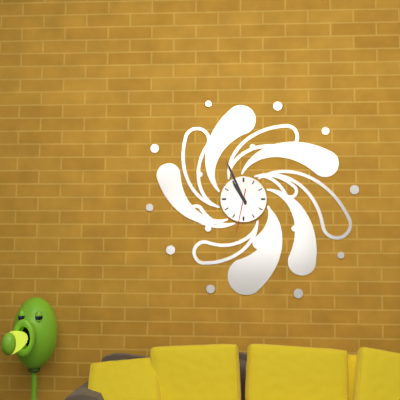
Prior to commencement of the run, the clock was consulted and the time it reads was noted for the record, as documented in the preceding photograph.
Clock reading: 10:56
